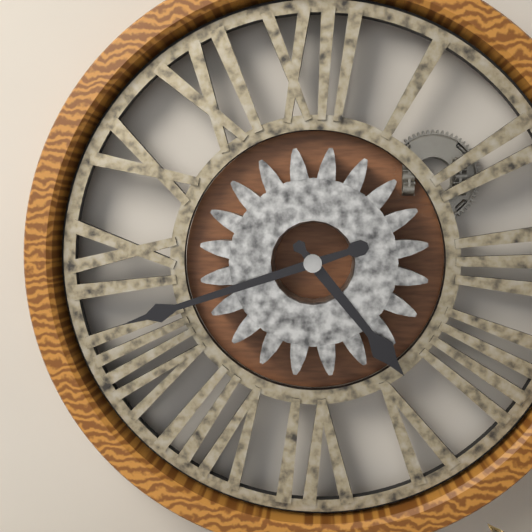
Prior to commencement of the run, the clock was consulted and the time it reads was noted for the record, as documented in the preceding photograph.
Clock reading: 4:42
